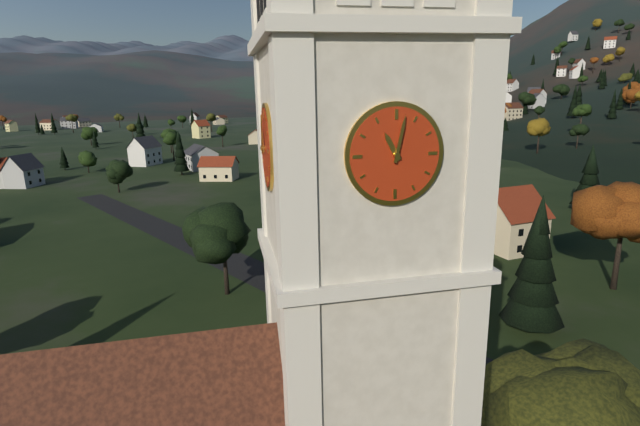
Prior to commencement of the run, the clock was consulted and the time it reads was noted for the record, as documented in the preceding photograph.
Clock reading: 11:02
